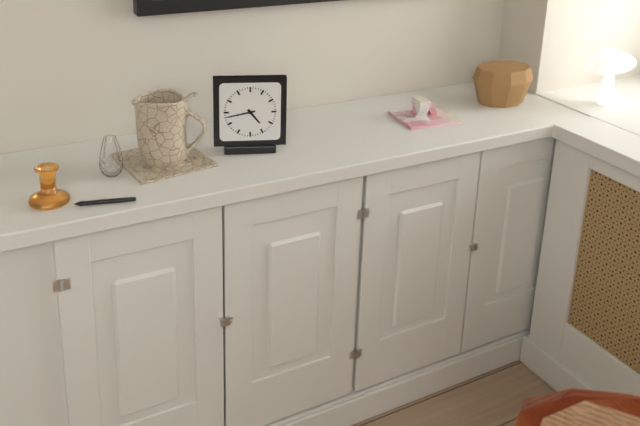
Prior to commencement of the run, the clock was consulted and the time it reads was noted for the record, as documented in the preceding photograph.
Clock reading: 4:43
